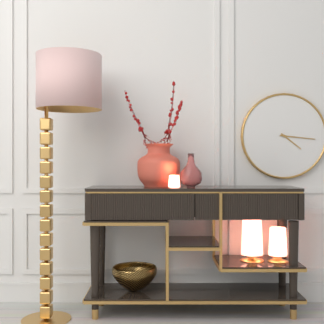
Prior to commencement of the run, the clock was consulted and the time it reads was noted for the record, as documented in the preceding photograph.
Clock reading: 4:16
